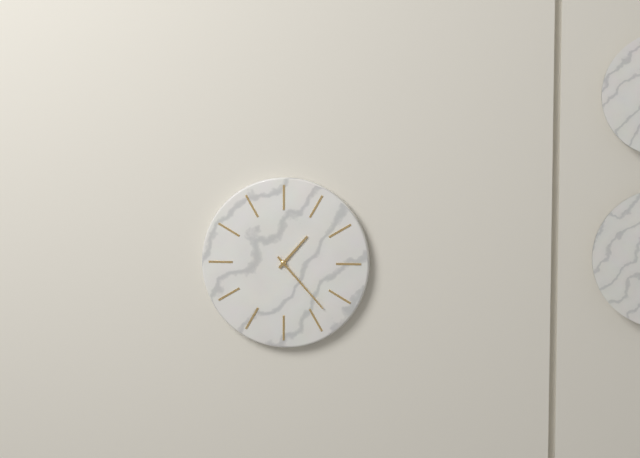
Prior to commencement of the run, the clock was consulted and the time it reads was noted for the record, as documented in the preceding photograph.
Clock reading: 1:23
